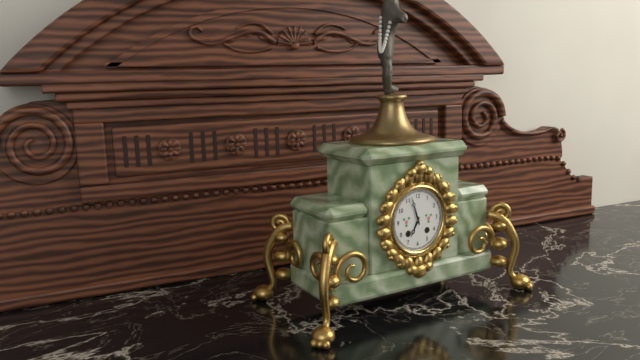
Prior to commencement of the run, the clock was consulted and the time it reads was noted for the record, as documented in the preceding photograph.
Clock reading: 6:57
